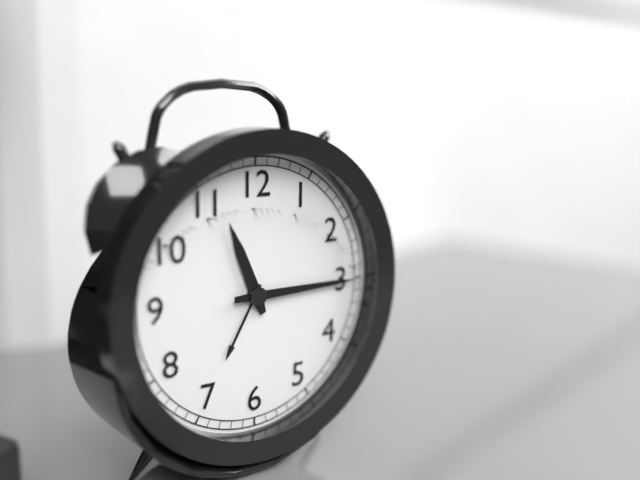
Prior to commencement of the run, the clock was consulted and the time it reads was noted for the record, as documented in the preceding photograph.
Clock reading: 11:15
